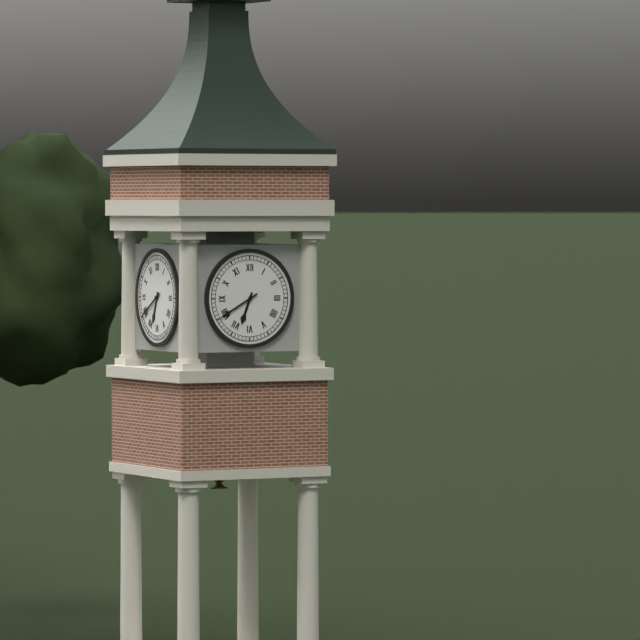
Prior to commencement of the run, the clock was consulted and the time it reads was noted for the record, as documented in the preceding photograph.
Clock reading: 6:40
